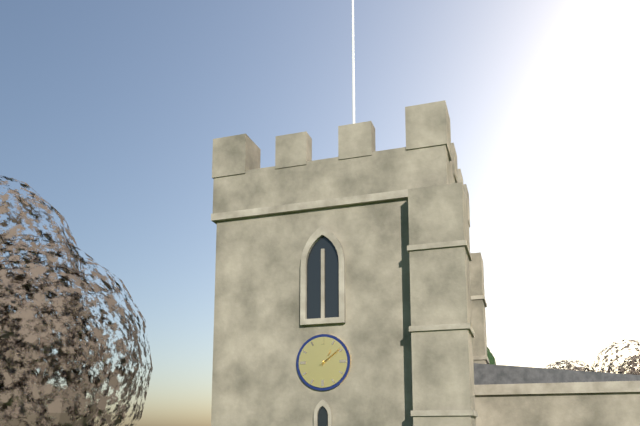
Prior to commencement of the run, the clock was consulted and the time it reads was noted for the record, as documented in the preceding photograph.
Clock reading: 1:09
